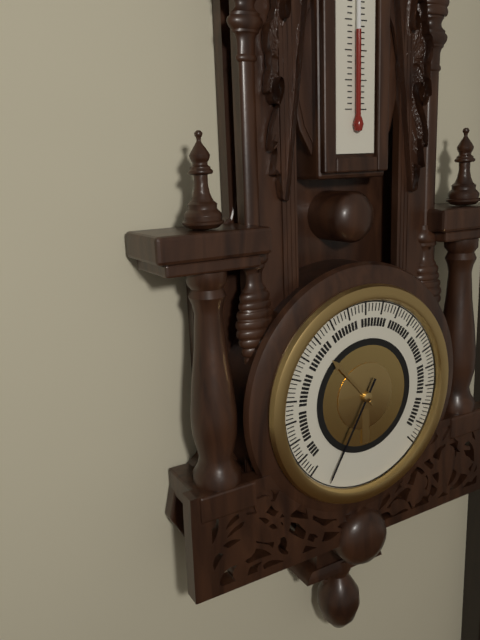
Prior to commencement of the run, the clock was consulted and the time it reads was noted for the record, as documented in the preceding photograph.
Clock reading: 10:35
